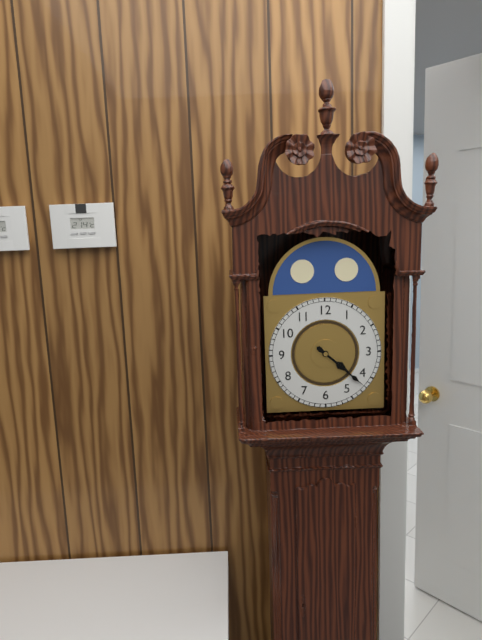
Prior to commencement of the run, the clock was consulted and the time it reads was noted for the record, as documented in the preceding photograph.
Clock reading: 4:22
